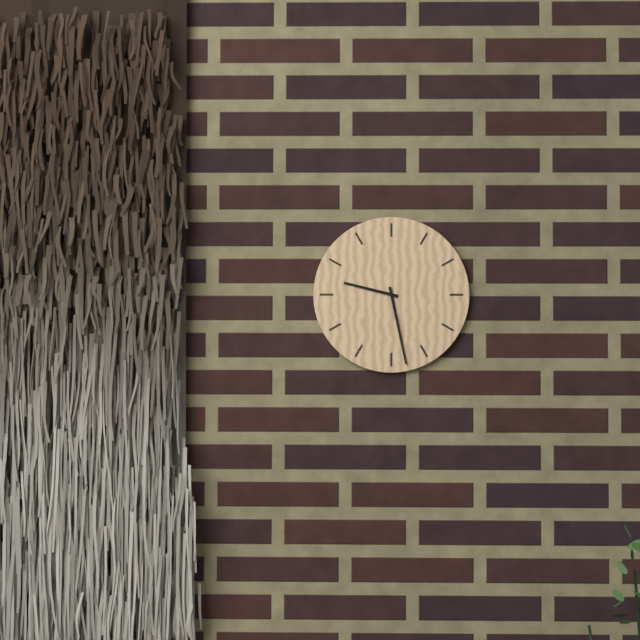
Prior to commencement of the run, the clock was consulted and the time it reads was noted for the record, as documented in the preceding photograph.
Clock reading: 9:28
